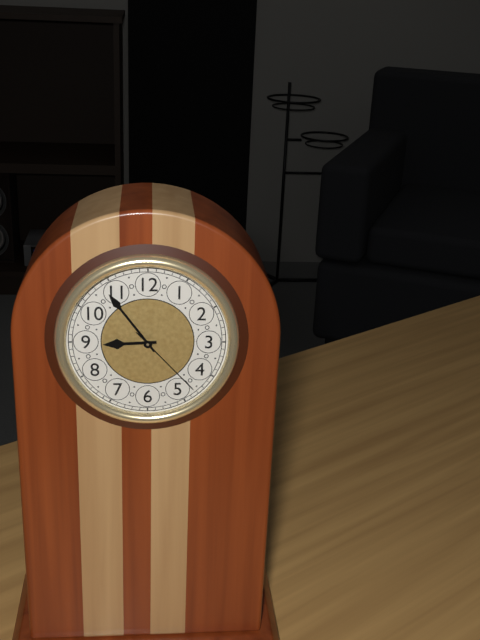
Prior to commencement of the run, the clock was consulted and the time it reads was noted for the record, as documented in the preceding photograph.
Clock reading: 8:54:23
